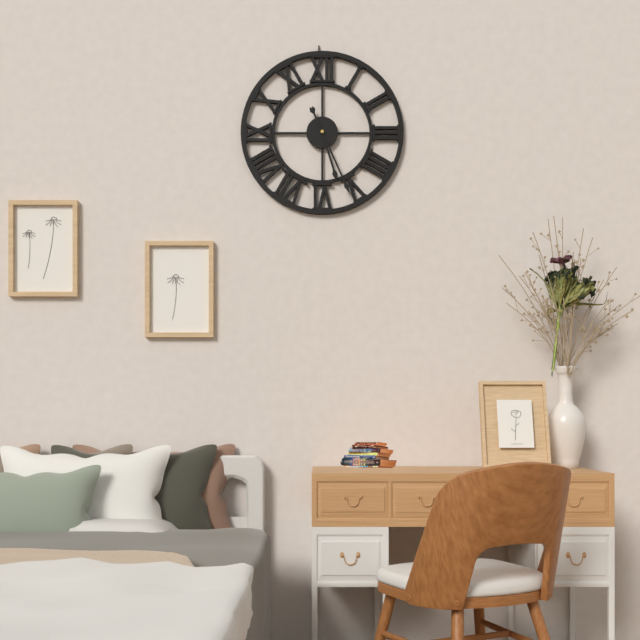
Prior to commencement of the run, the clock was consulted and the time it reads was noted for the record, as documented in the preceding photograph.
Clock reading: 5:26
